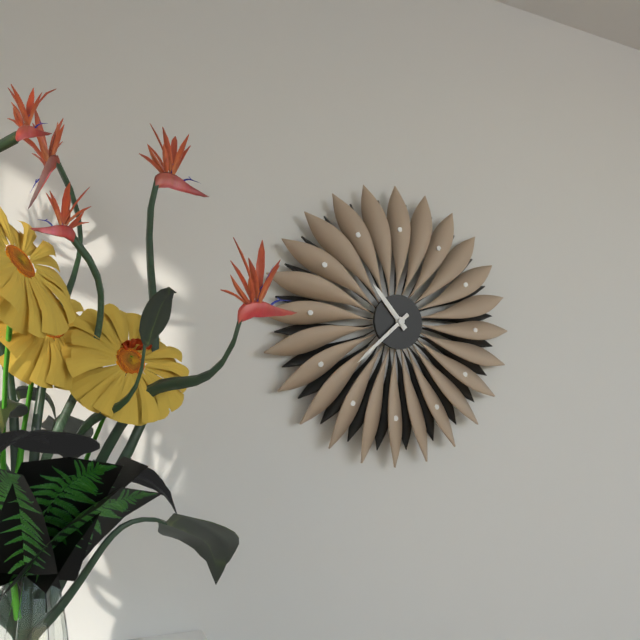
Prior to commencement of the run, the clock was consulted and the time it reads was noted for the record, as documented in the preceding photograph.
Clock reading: 10:38
